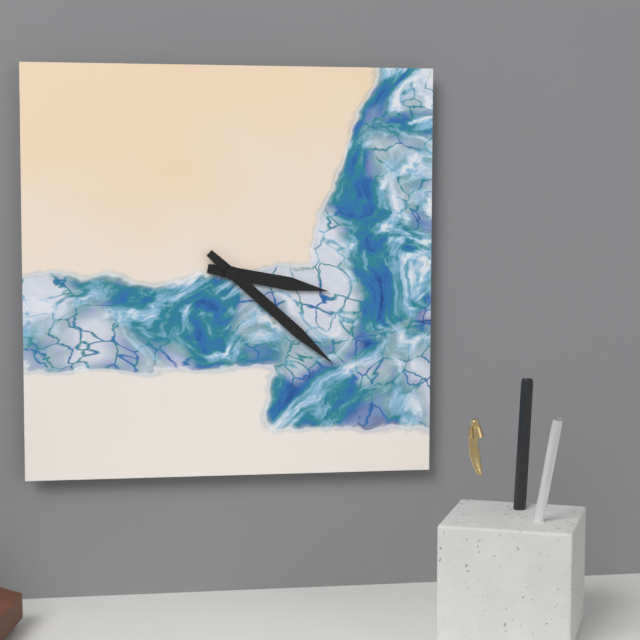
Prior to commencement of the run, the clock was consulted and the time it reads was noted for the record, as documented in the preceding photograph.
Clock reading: 3:22
